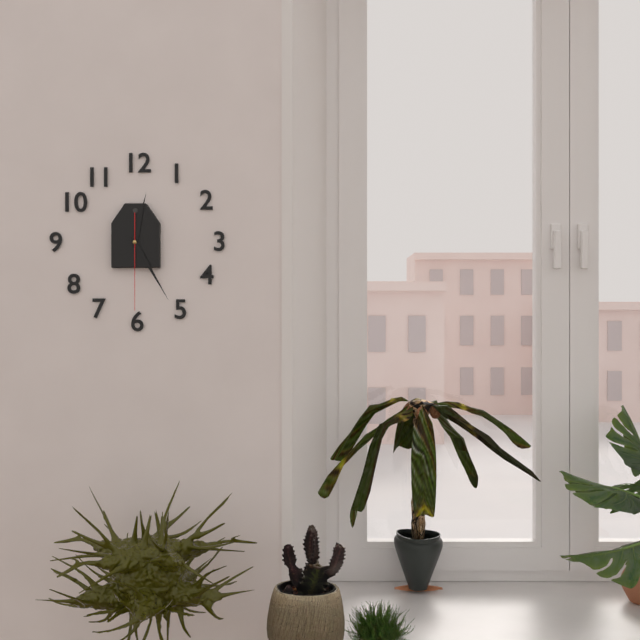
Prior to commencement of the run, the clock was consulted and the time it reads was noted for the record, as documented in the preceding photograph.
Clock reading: 12:25:30
